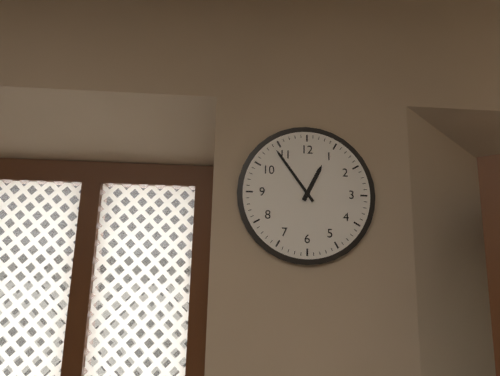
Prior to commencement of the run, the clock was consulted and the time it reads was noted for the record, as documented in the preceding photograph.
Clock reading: 12:54
